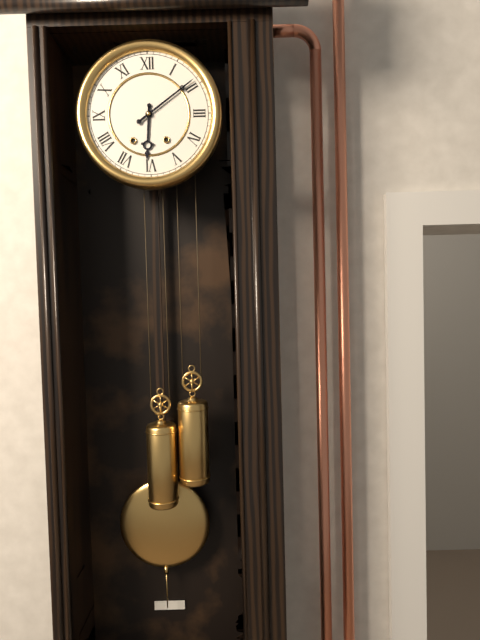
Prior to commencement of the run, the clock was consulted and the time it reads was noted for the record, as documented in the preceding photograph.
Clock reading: 6:09
